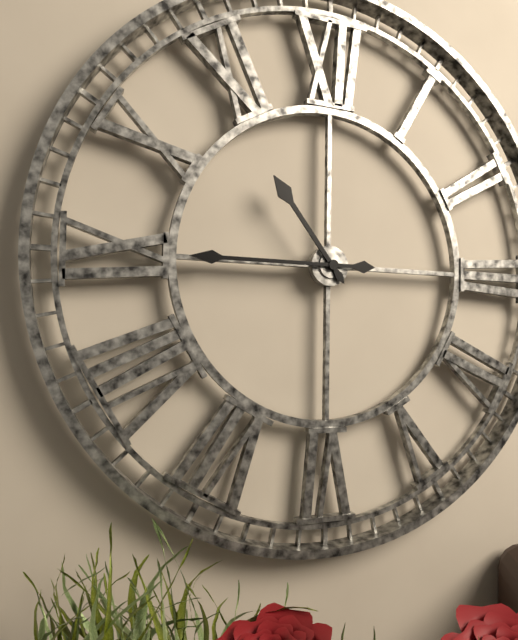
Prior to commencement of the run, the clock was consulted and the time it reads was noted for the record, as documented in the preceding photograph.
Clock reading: 10:45
